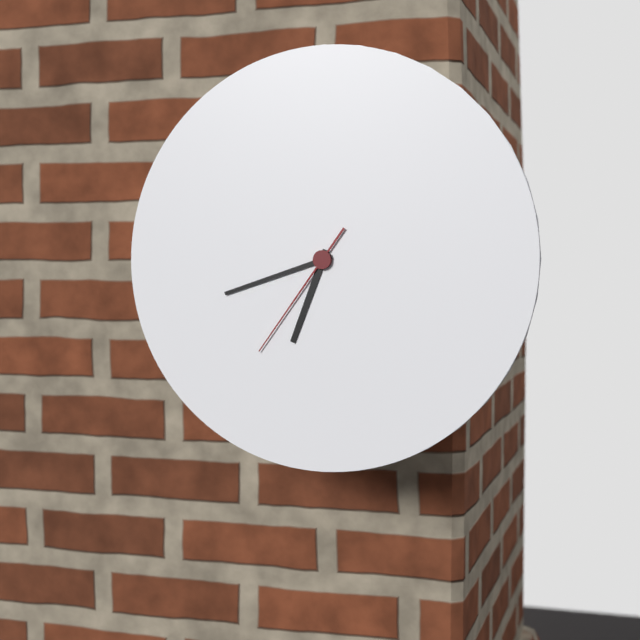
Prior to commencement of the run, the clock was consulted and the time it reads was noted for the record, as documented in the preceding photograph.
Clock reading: 6:42:36
